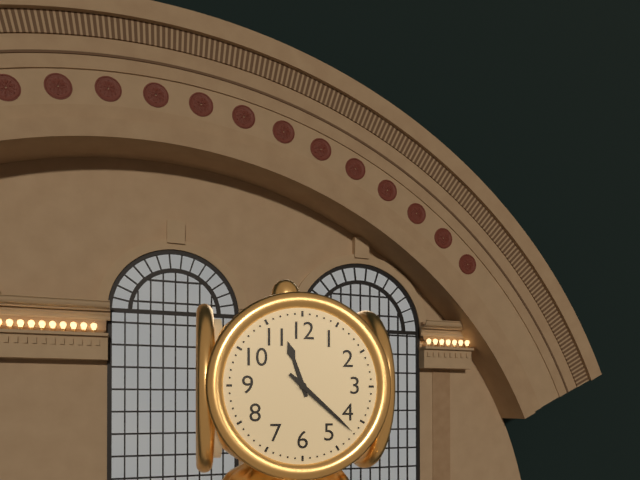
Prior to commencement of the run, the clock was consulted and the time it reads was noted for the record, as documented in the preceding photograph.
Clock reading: 11:22
